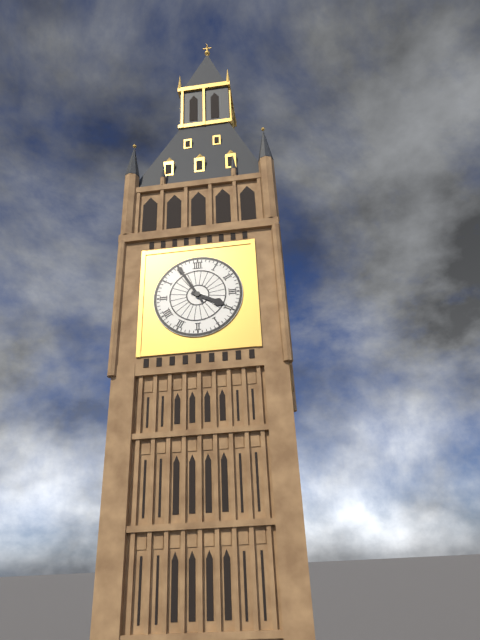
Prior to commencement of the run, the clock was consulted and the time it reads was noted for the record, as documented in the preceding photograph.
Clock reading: 3:55
